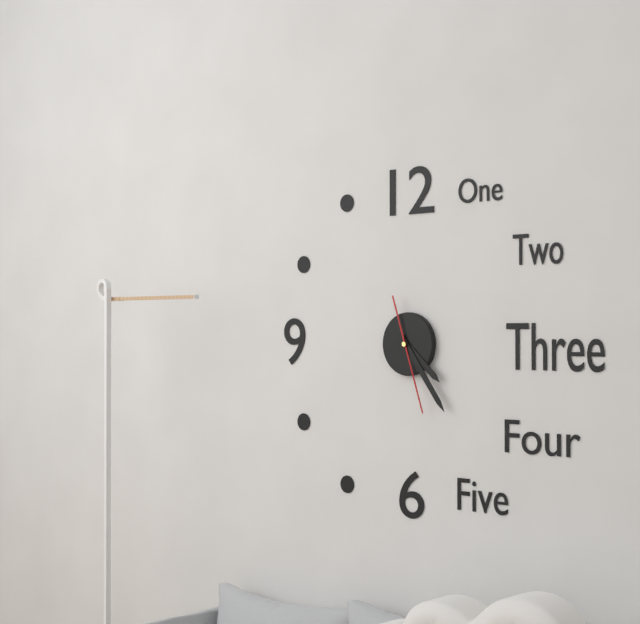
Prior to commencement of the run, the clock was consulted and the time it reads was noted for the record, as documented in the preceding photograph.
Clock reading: 4:24:27
